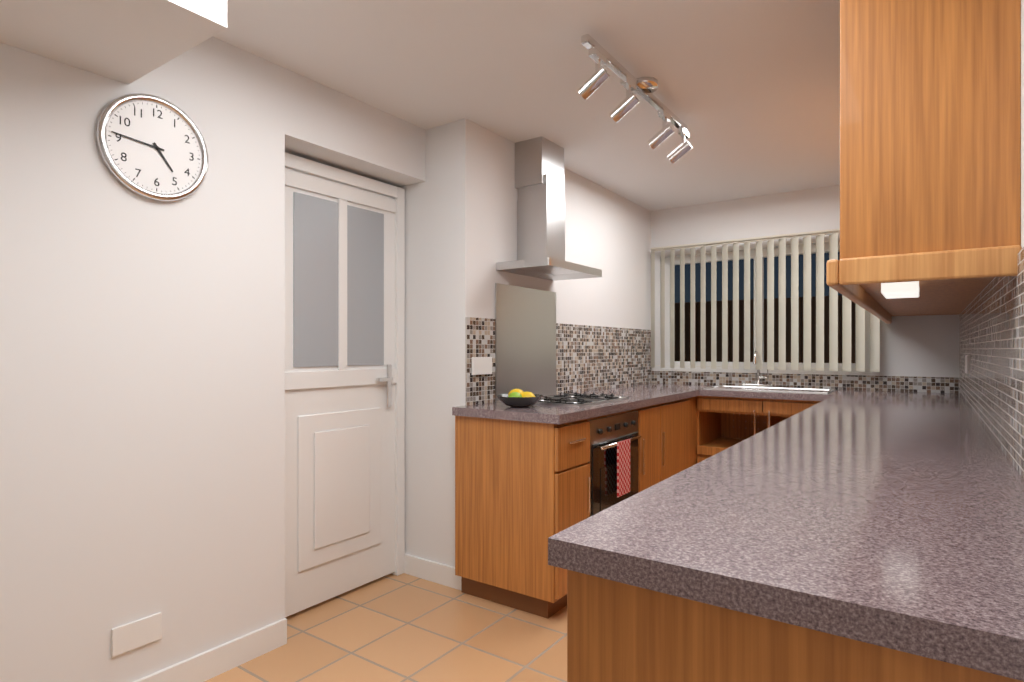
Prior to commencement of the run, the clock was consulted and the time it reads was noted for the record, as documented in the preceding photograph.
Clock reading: 4:46
